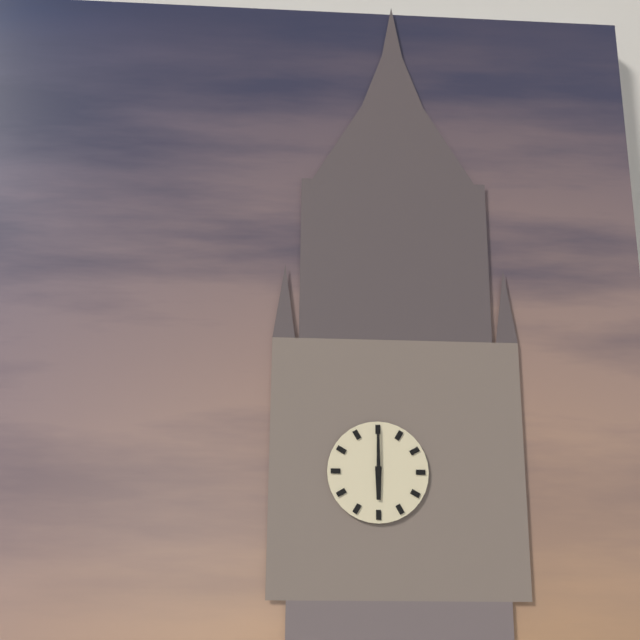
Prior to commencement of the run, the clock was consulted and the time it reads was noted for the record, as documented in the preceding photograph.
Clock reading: 6:00
